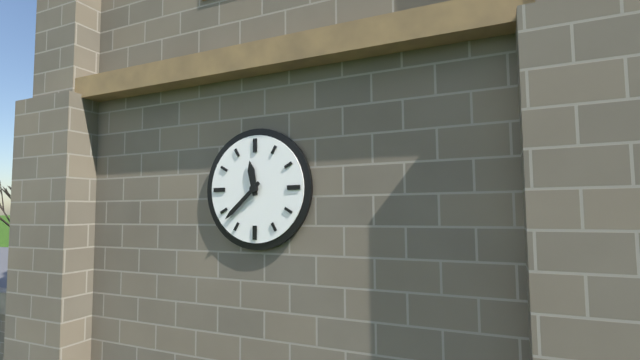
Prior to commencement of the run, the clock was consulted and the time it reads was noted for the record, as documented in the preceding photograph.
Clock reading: 11:38
